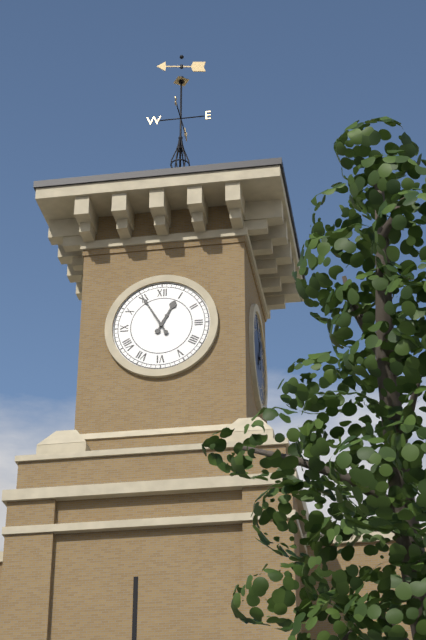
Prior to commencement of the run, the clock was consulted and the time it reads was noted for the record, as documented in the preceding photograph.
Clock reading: 12:55
